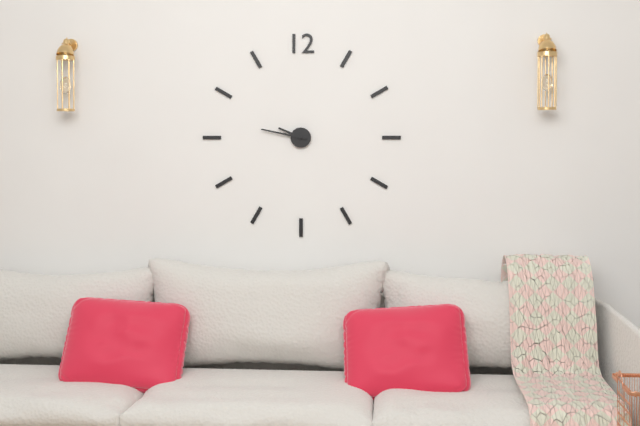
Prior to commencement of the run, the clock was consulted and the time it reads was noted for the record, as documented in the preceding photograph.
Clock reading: 9:47
